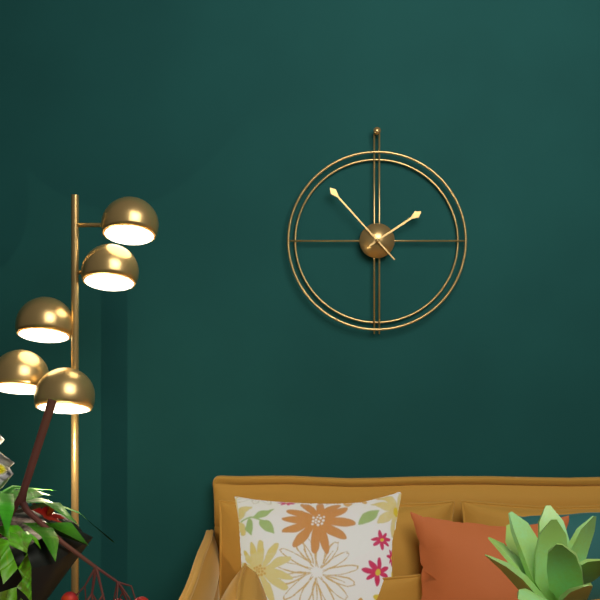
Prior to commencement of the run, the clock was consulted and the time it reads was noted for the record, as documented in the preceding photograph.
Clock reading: 1:53
